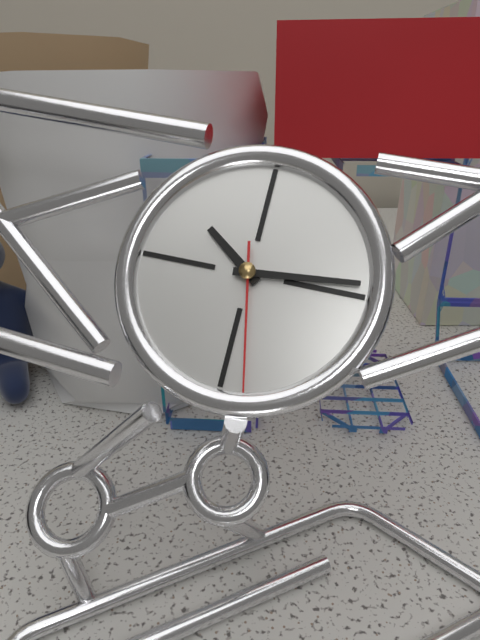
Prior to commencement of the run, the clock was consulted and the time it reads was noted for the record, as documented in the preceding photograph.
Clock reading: 10:14:28
